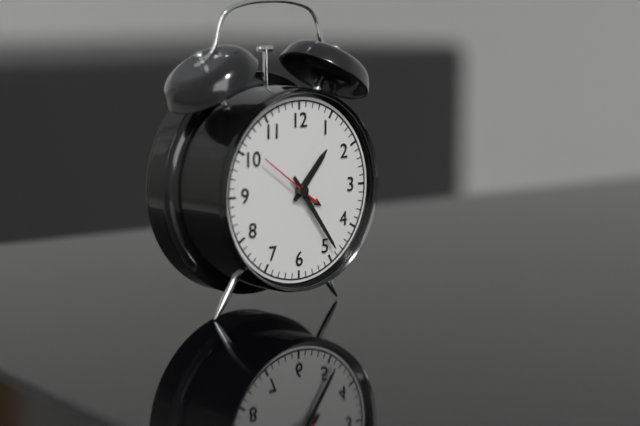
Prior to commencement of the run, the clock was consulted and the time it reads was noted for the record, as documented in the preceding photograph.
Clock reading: 1:24
